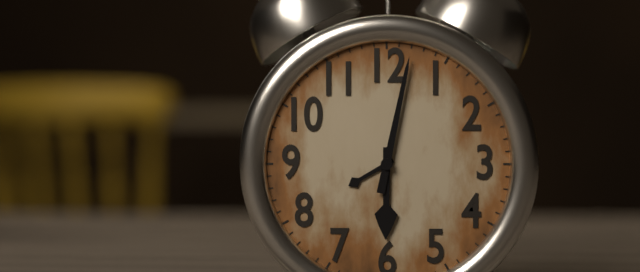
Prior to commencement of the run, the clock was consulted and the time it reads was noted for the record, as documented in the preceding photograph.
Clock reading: 6:02
